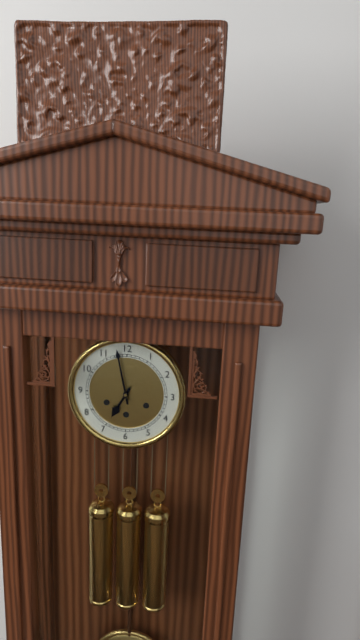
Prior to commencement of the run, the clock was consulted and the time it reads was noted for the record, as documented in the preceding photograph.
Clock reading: 6:58
